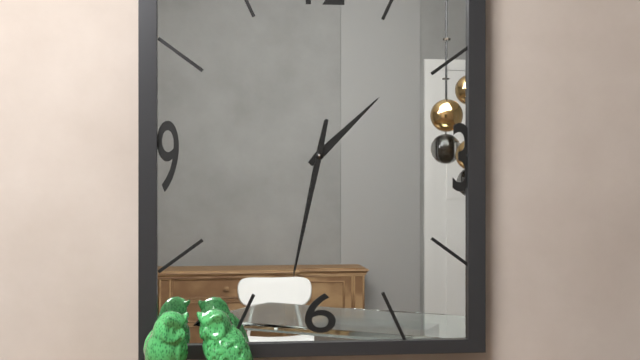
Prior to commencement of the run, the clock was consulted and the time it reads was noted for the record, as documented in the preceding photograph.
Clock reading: 1:32
